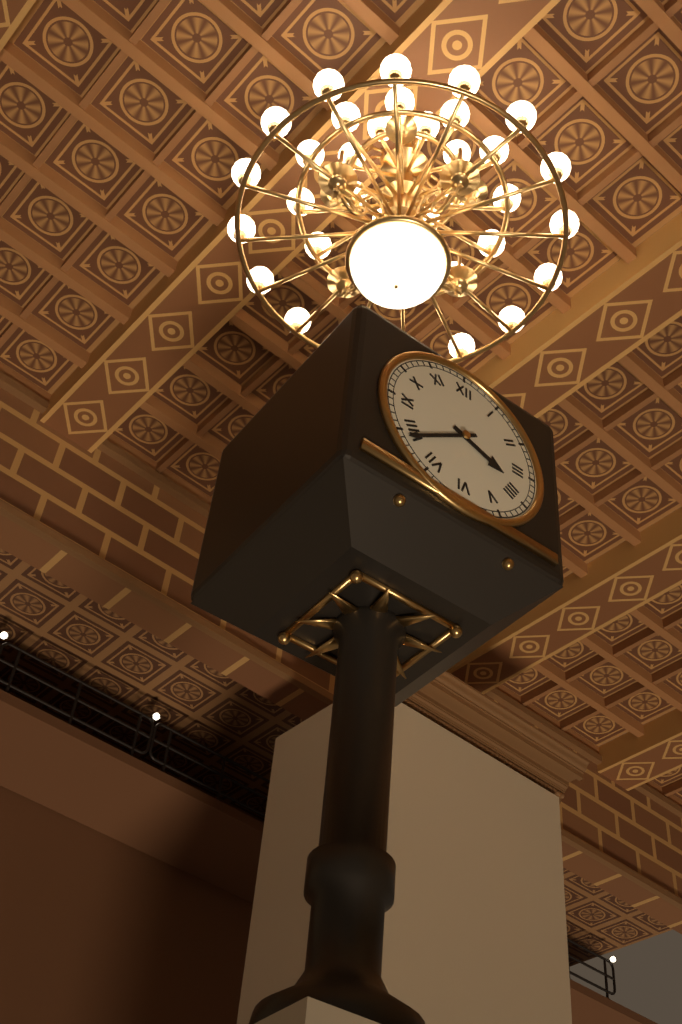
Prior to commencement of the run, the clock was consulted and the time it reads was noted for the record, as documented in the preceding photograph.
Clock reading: 3:39
